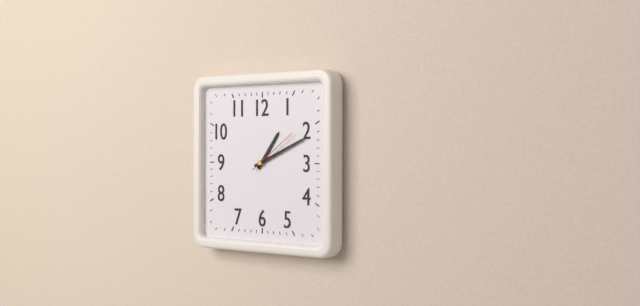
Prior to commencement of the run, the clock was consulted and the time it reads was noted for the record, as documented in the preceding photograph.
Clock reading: 1:11:09
